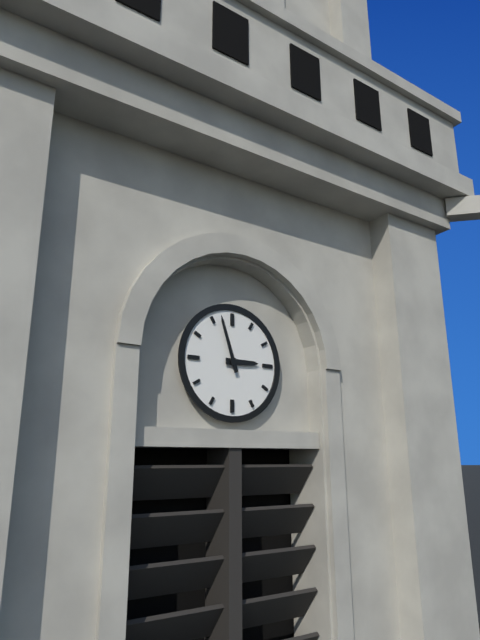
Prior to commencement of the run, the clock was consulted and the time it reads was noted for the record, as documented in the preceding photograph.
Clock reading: 2:57
